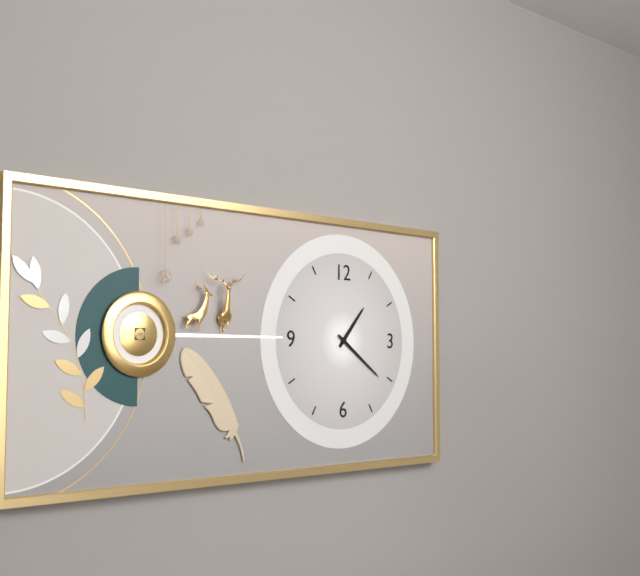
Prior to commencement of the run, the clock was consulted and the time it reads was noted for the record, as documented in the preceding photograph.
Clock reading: 1:21
